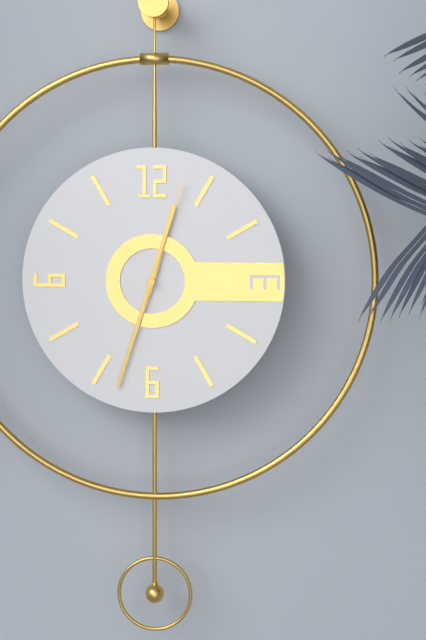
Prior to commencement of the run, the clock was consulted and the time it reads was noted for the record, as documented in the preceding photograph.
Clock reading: 12:33:03
